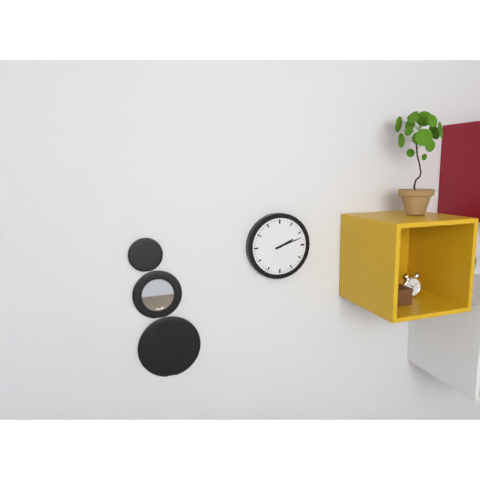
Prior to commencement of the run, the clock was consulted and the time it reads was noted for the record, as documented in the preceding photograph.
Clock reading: 2:12
